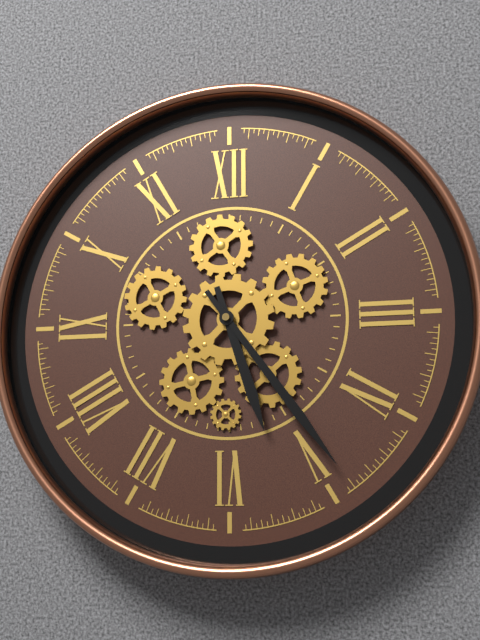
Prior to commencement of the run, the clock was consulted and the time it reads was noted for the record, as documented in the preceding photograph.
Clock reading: 5:24
